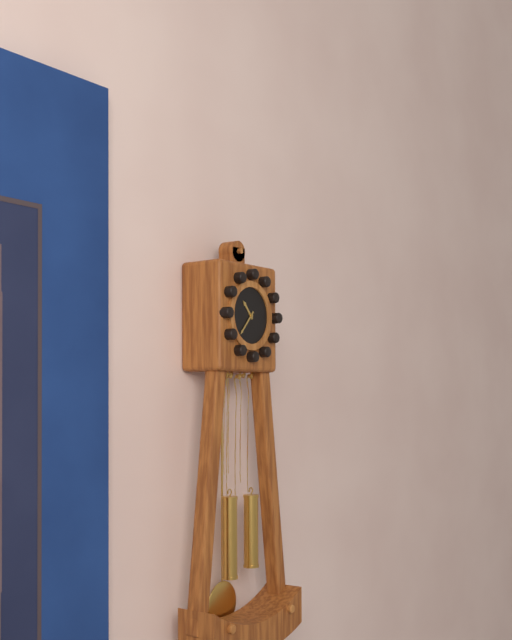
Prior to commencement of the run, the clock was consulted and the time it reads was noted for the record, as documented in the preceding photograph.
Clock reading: 10:37
